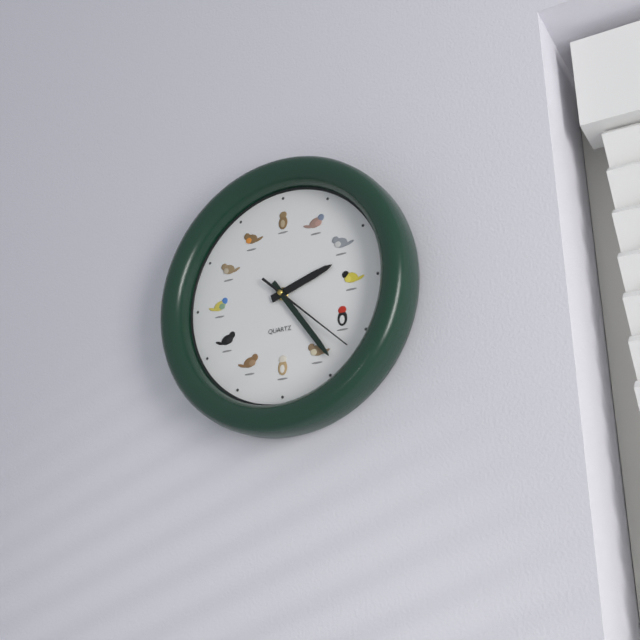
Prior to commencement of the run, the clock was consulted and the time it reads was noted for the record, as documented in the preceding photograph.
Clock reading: 2:24:22
